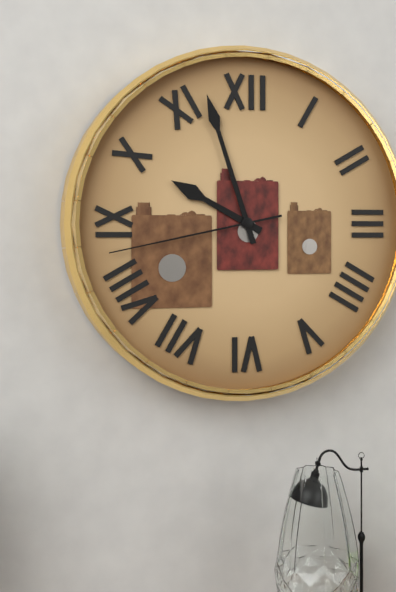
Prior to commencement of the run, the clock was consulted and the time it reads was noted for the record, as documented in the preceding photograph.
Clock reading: 9:57:43
